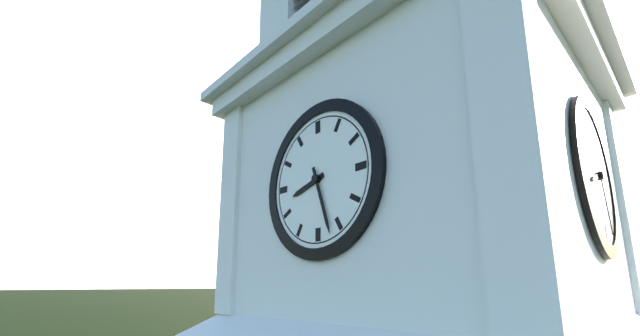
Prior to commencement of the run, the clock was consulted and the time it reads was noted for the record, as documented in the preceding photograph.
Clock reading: 8:27
